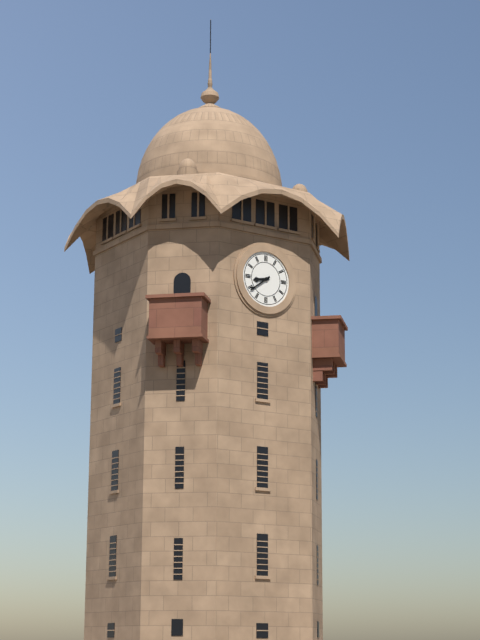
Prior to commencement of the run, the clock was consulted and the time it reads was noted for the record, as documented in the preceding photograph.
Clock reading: 8:39
